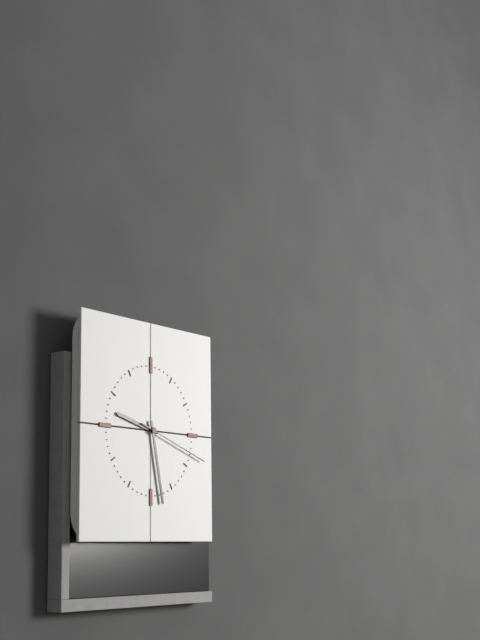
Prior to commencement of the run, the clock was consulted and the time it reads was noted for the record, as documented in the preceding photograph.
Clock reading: 9:28:18
